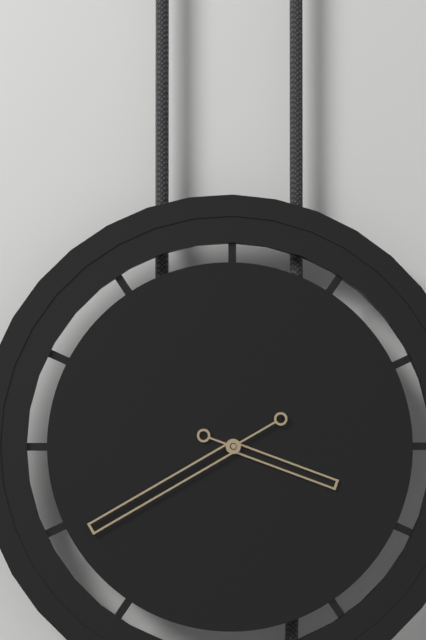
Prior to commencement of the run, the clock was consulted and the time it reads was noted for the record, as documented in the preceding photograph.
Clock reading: 3:40
